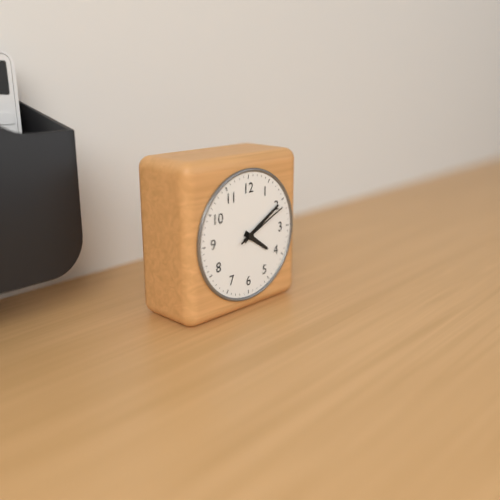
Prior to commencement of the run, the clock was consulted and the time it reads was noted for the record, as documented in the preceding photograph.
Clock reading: 4:10:11
